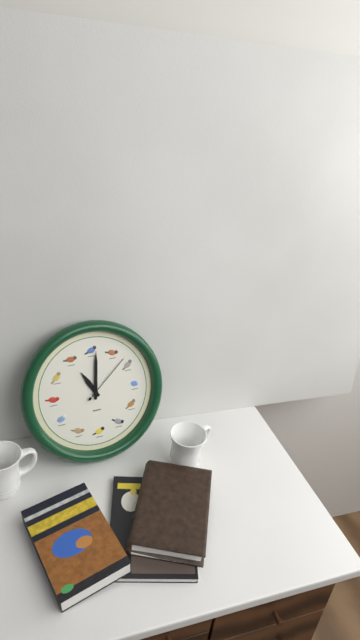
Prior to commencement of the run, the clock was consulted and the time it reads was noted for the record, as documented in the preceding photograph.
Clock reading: 11:01:08
